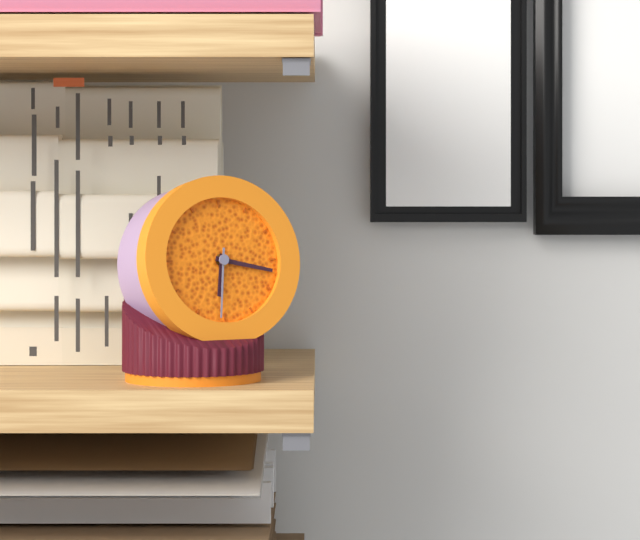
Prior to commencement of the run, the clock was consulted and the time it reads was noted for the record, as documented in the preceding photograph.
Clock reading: 6:17:31
